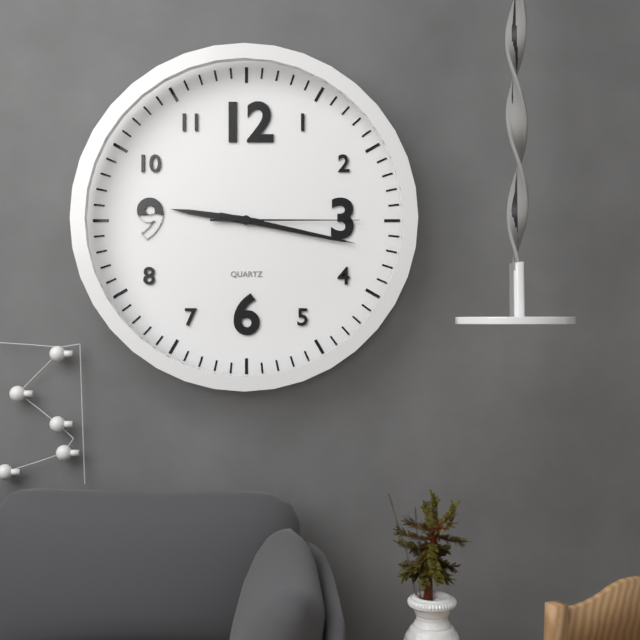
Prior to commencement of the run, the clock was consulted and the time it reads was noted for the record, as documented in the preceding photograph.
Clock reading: 9:17:15
